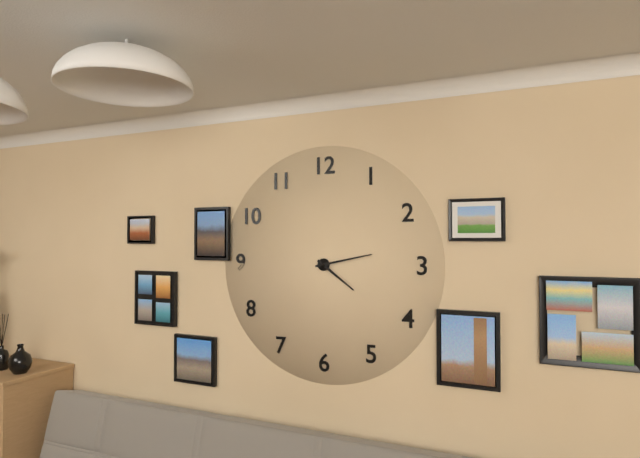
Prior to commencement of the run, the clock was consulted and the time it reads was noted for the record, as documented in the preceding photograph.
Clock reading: 4:13
